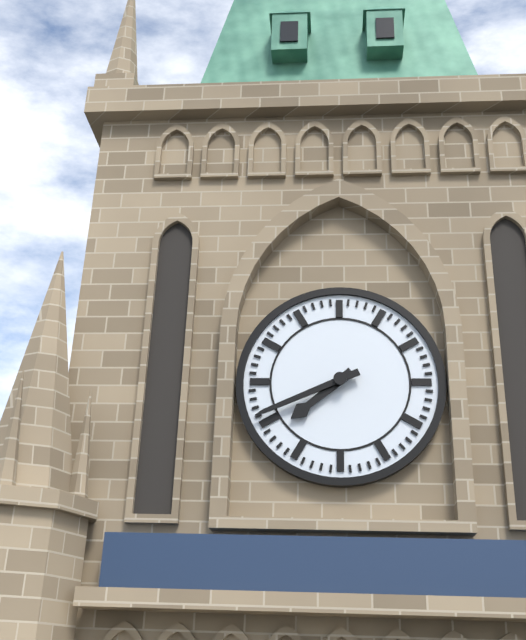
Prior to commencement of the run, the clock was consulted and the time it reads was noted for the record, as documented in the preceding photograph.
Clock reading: 7:41
